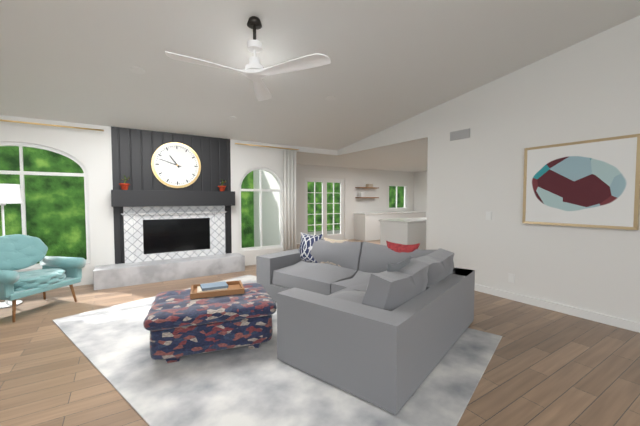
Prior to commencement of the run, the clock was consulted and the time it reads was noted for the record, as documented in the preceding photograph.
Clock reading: 10:48
